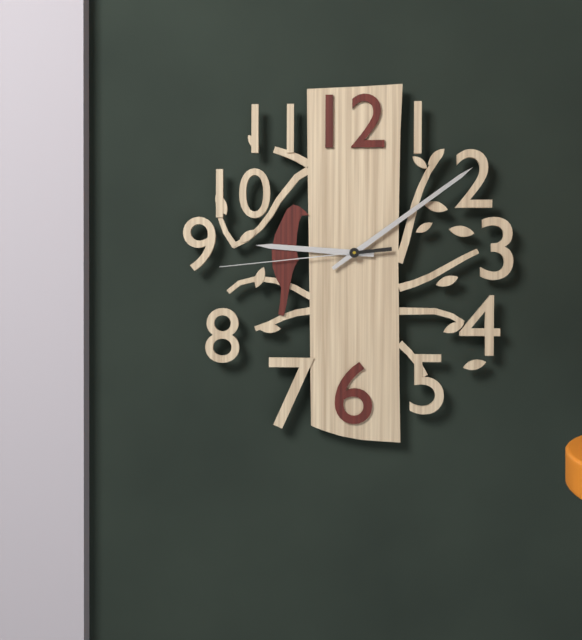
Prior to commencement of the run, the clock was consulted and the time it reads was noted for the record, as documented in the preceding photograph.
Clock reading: 9:09:44
